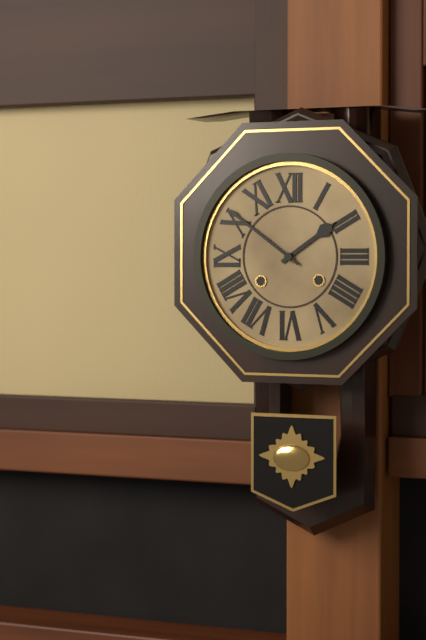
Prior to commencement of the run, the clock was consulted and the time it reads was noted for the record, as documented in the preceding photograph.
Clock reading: 1:51
